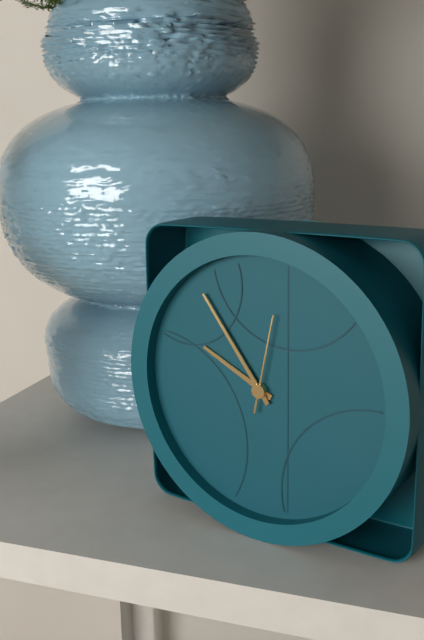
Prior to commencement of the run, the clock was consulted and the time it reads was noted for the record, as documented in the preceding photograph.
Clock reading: 9:54:02
